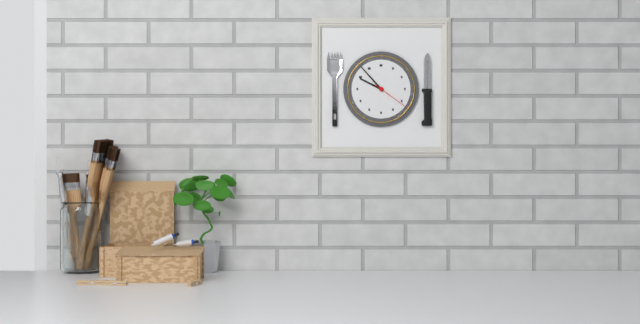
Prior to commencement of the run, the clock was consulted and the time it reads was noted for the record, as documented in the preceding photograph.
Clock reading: 9:53
